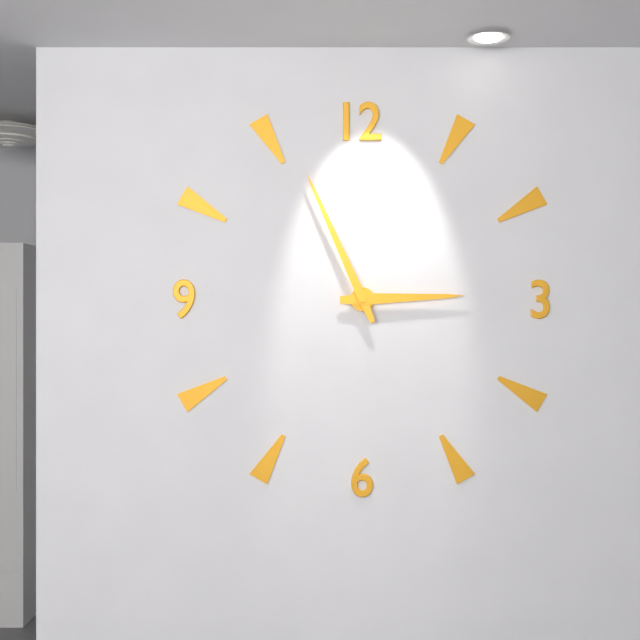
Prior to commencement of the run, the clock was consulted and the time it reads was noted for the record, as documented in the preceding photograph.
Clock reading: 2:56
